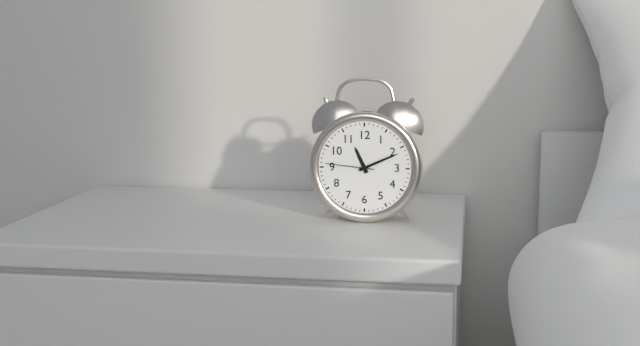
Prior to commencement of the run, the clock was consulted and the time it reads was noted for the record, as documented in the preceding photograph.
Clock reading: 11:11
